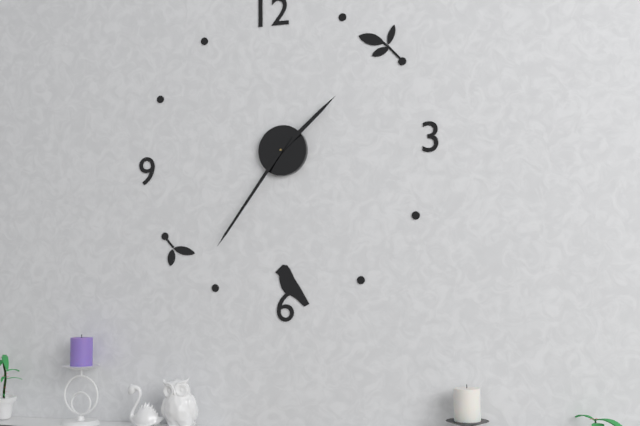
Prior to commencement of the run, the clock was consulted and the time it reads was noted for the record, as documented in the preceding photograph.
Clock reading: 1:36
